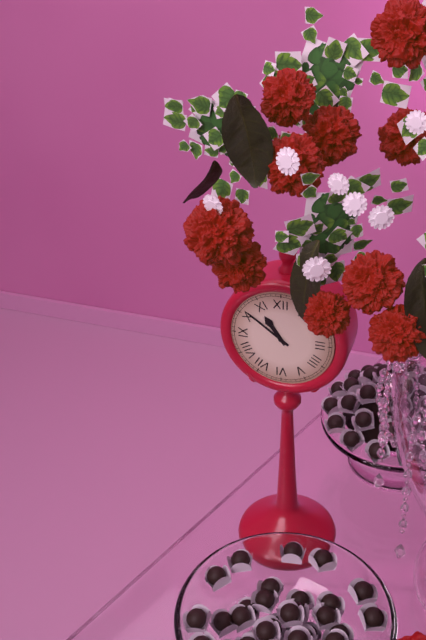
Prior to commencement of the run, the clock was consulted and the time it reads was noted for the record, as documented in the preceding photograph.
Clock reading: 10:51
